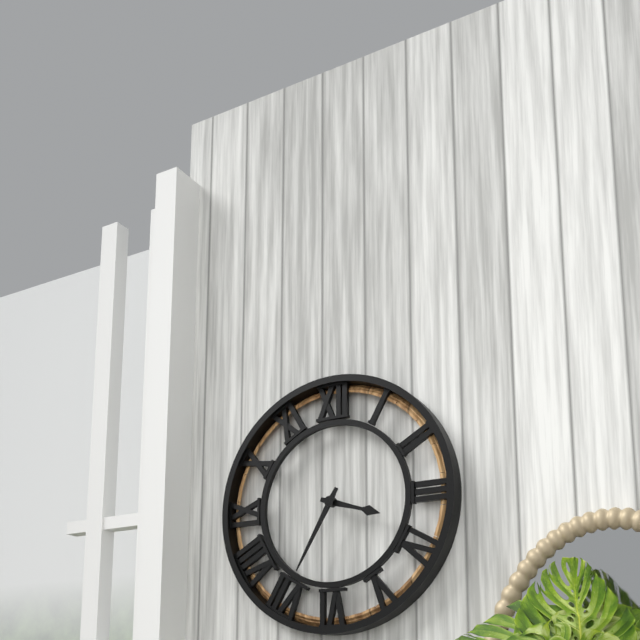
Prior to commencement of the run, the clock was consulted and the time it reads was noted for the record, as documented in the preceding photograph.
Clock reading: 3:35
